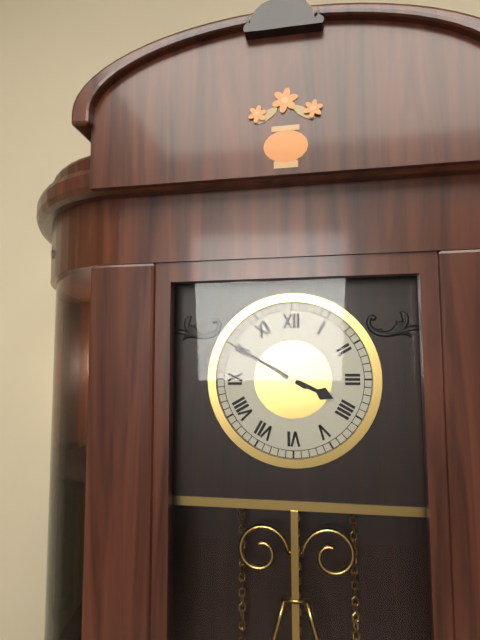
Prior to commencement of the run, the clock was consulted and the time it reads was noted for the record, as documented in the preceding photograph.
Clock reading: 3:50
